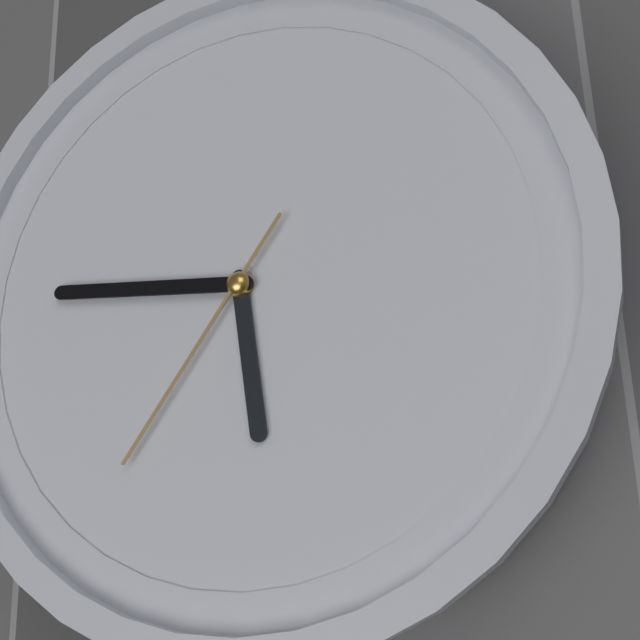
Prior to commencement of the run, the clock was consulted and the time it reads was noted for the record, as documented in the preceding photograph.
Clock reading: 5:46:36
